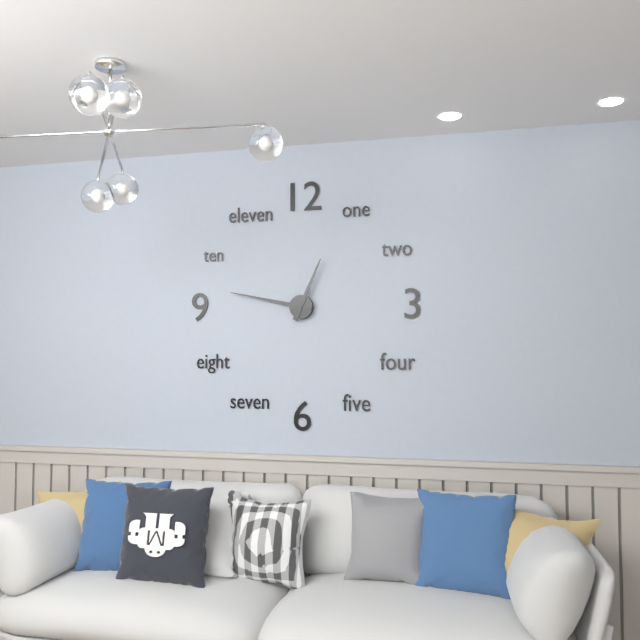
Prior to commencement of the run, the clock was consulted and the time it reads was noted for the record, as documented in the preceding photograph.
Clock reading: 12:47
